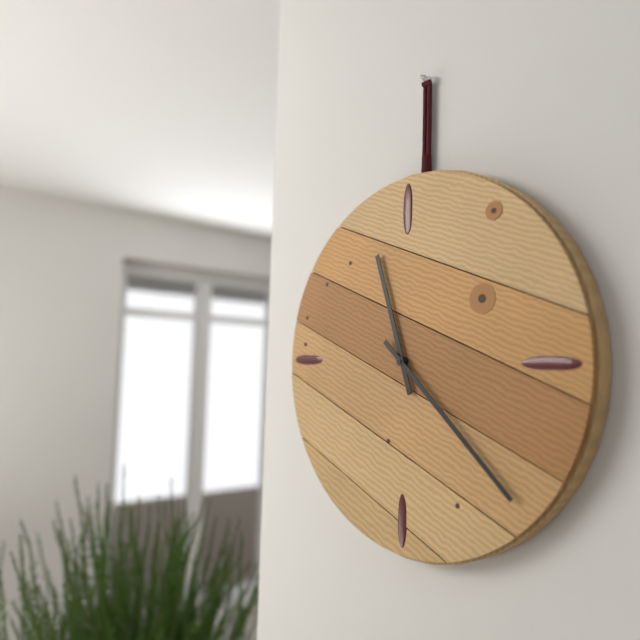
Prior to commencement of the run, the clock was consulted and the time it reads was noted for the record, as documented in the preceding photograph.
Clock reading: 11:22
